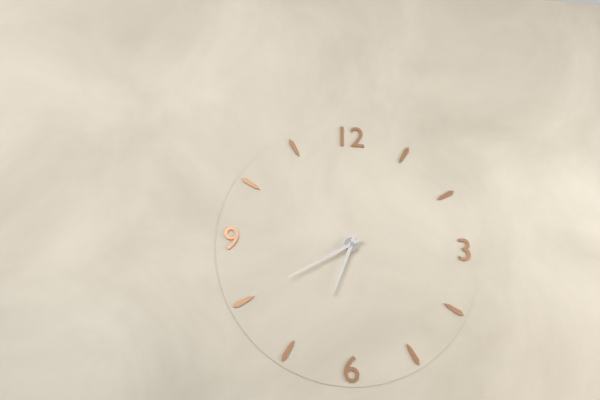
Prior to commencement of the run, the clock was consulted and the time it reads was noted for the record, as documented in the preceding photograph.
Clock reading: 6:40
